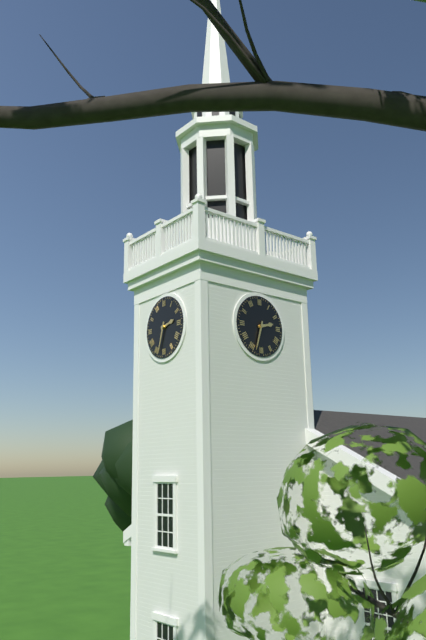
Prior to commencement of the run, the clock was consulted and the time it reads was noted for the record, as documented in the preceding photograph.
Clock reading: 2:33
